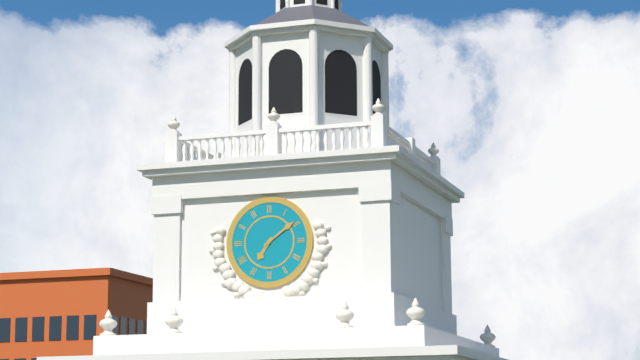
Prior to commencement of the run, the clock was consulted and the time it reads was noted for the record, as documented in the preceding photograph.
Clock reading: 7:09
